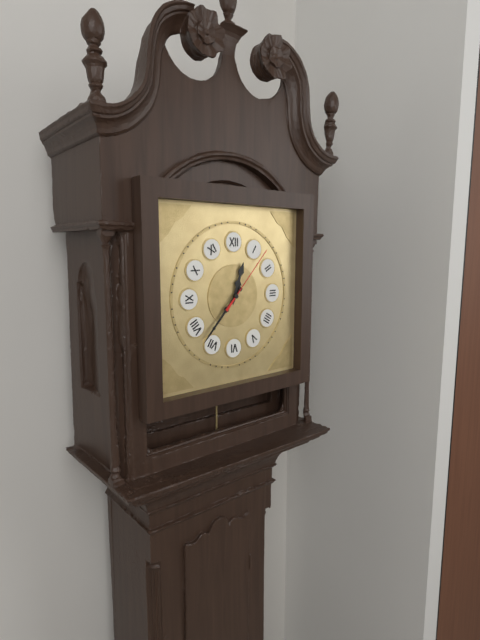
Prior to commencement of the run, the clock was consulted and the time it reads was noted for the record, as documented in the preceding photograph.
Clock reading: 12:37:07
